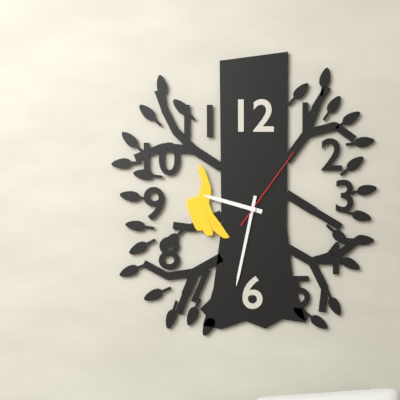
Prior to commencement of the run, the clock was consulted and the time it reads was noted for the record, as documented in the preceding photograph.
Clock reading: 9:32:06
